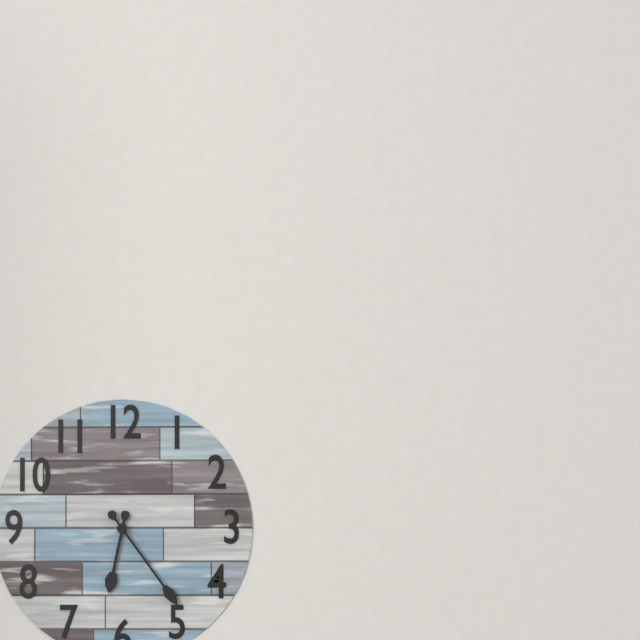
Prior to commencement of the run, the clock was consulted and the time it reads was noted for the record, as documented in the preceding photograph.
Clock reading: 6:24
